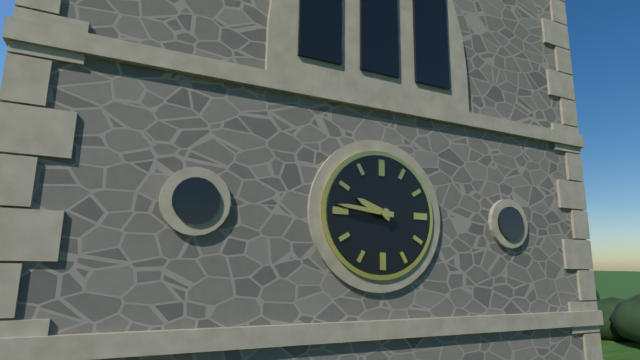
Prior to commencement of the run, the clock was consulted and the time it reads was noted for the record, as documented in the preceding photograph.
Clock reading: 9:46
